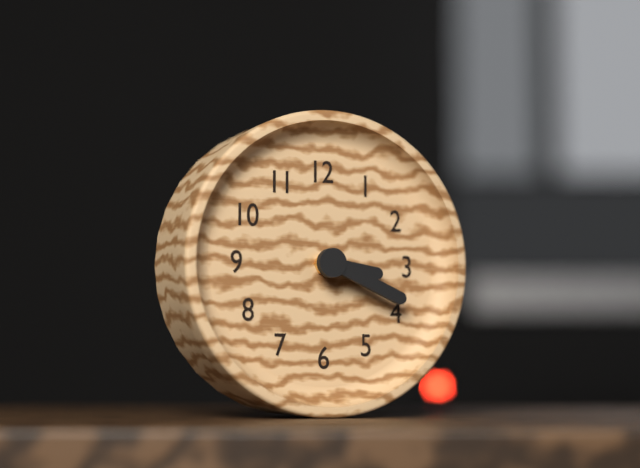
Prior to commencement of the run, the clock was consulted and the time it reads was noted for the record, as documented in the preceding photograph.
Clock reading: 3:19
